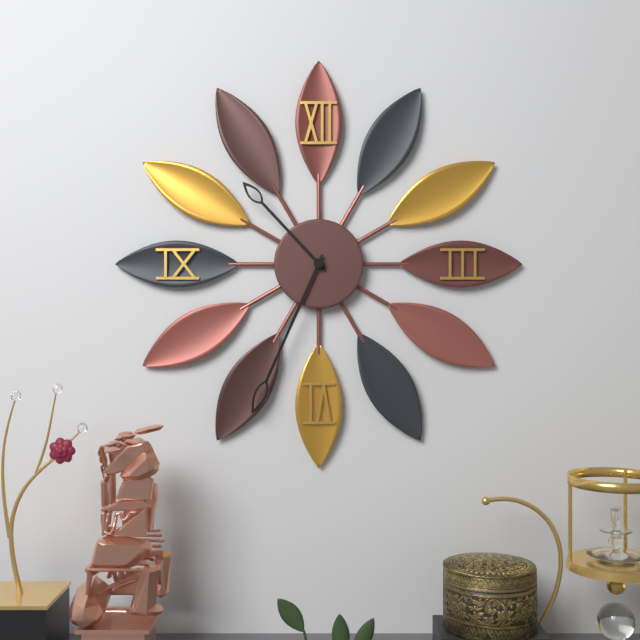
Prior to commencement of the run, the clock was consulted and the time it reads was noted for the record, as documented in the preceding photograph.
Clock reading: 10:34
